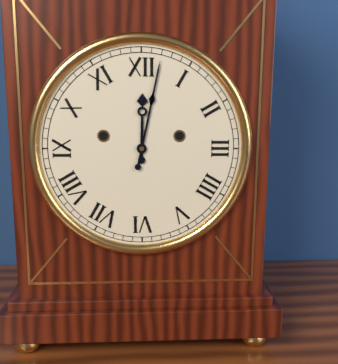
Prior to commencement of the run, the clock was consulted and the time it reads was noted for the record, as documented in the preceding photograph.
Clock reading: 12:02
